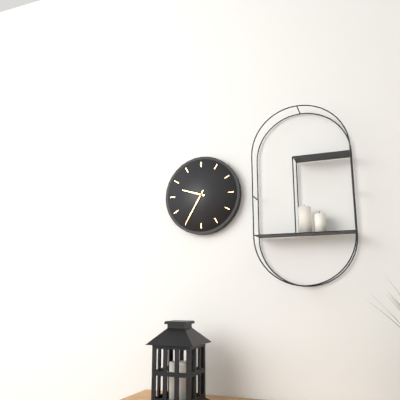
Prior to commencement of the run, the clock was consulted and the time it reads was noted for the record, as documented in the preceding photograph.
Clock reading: 9:35
